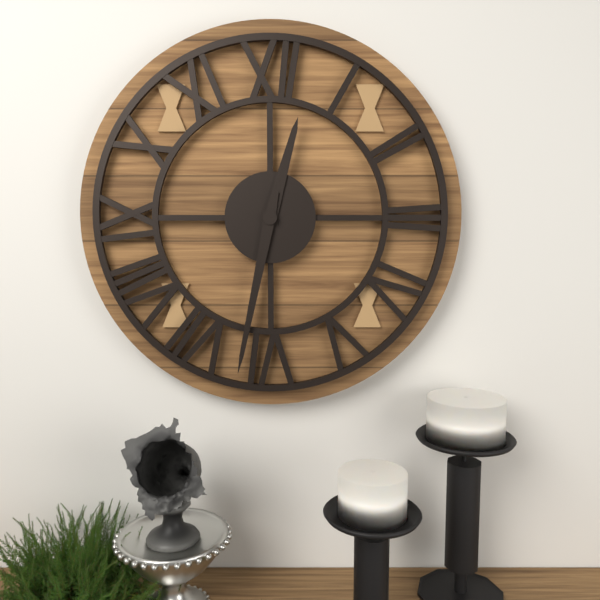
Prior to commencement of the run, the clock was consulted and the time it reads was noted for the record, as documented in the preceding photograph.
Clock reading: 12:32
